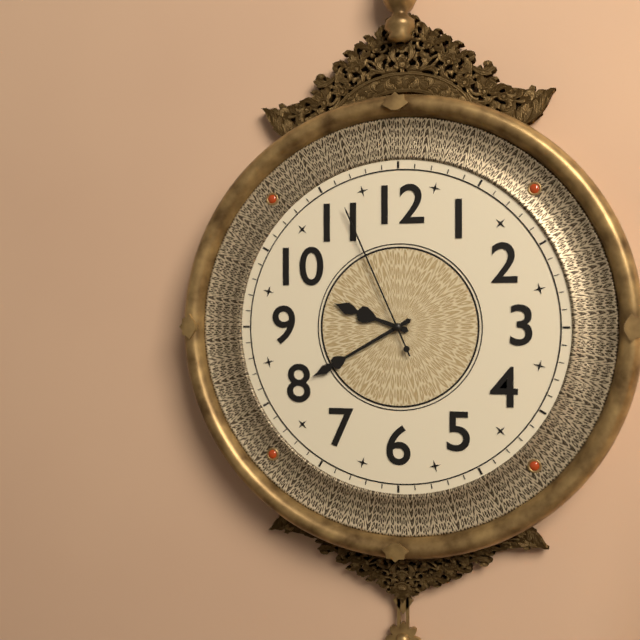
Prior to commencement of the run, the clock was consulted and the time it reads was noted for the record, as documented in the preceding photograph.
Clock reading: 9:40:56
